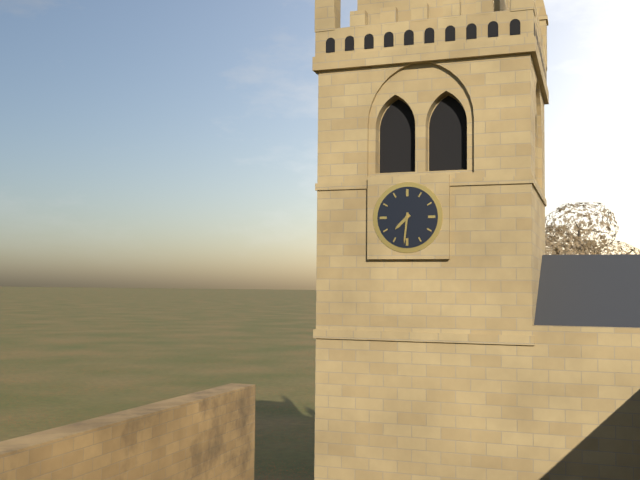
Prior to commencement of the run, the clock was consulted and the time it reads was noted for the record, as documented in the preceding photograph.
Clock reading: 7:31
